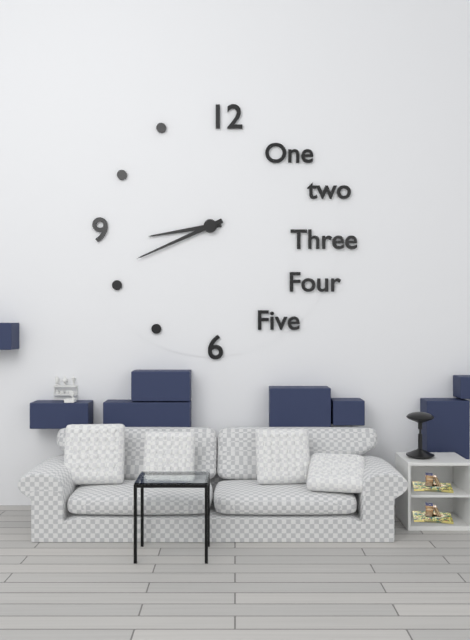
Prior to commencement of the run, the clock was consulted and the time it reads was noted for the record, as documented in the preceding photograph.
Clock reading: 8:41
